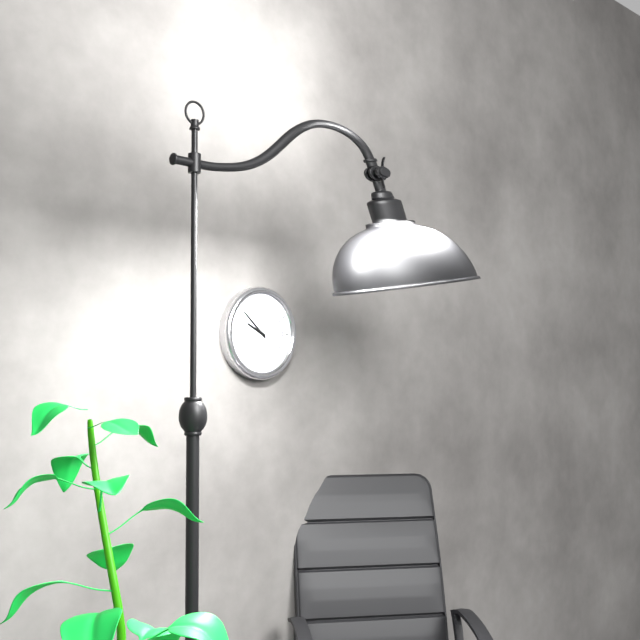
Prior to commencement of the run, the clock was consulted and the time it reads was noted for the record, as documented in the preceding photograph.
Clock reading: 9:52
